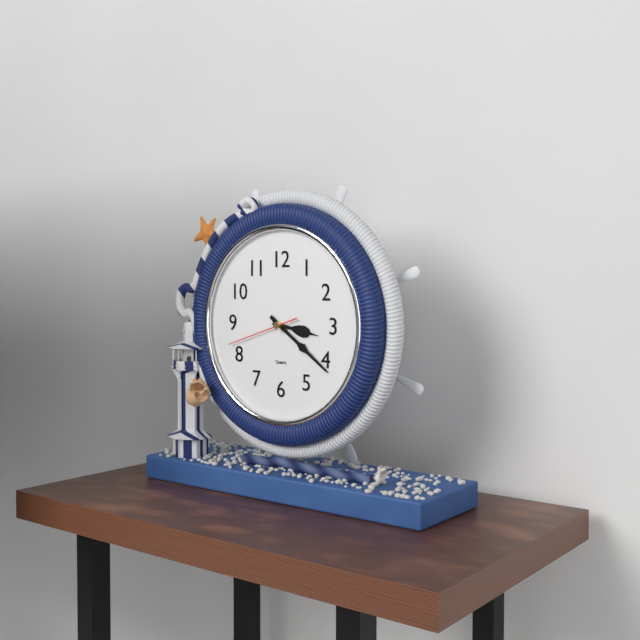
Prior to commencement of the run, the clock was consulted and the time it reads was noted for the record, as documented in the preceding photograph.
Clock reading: 3:21:42
